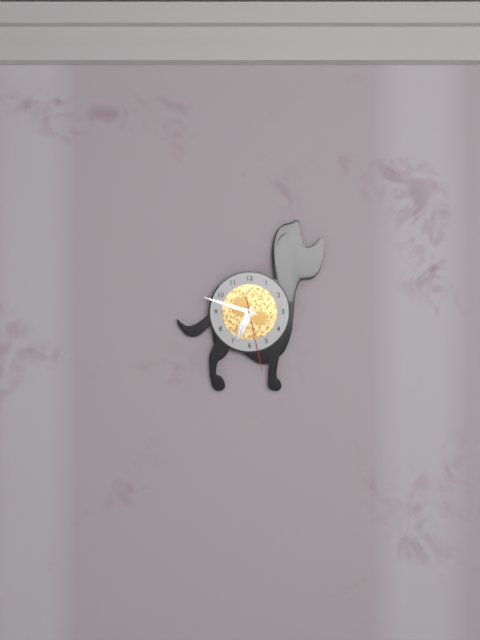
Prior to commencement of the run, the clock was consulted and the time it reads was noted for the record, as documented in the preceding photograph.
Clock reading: 6:48:28
